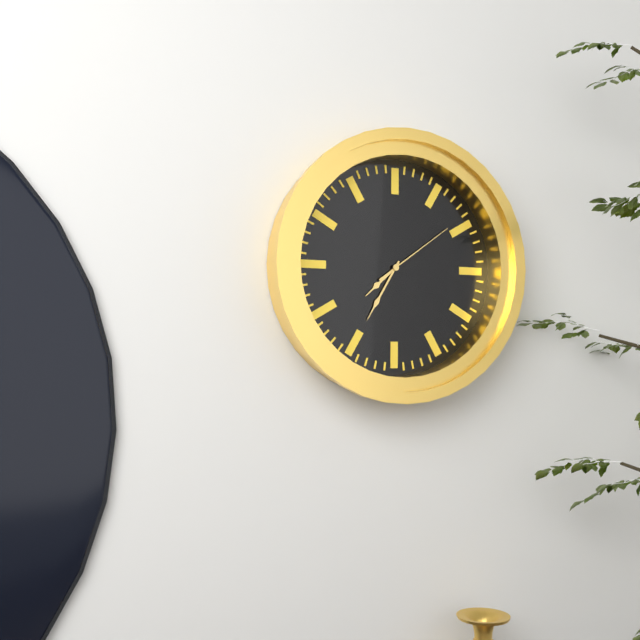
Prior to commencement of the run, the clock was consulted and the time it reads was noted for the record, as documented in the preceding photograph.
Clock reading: 7:35:09
